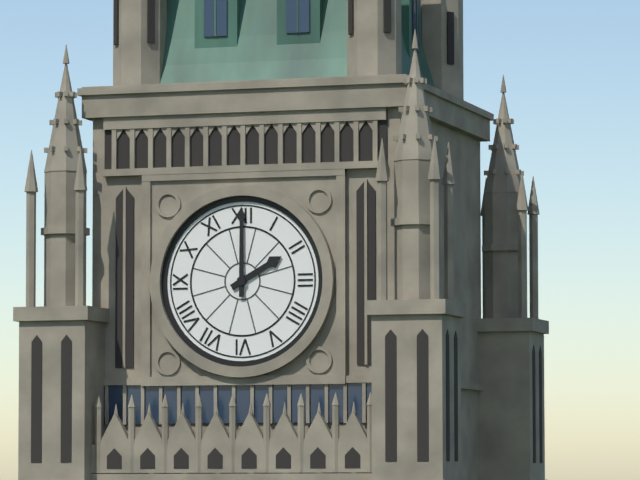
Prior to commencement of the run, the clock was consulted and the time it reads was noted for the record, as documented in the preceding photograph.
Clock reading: 2:00
